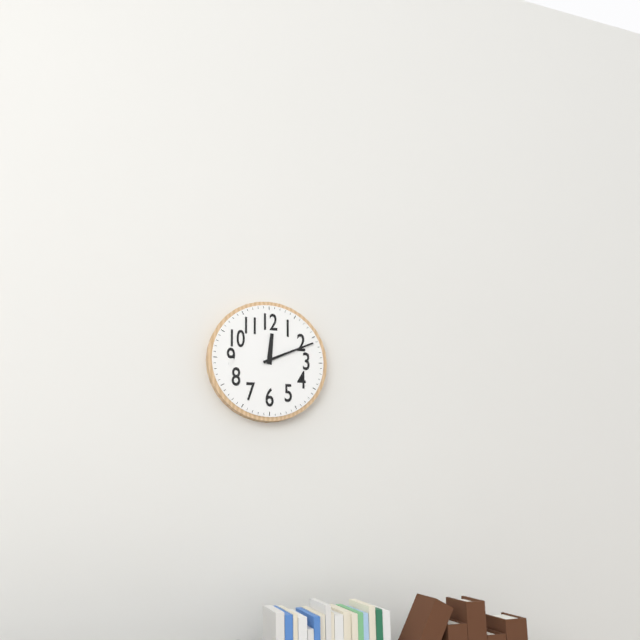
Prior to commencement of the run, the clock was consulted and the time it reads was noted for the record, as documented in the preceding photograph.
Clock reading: 12:11
